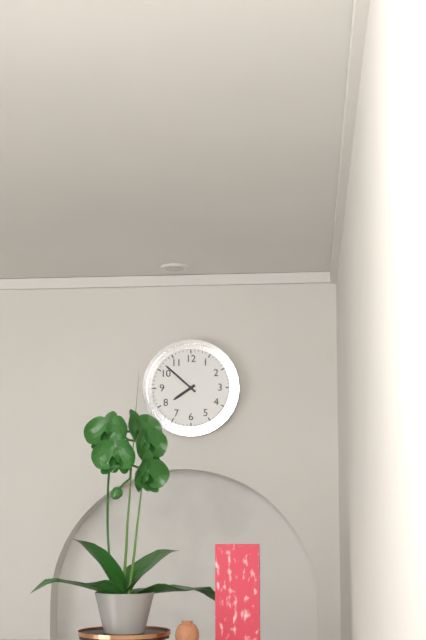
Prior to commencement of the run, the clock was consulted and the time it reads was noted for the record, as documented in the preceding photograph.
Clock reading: 7:52
